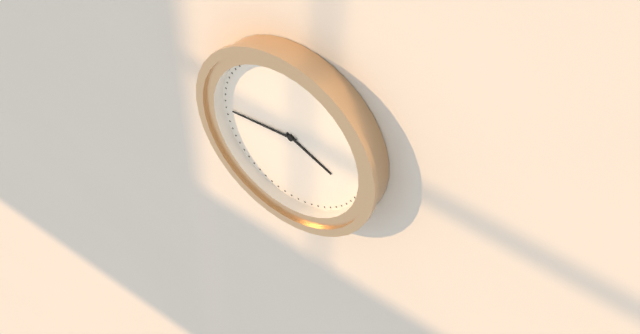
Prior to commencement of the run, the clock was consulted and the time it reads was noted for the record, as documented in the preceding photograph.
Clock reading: 3:44
